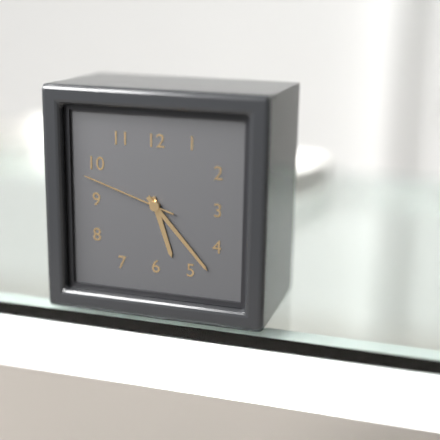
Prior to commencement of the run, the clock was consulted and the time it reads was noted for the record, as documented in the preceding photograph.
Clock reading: 5:23:48
